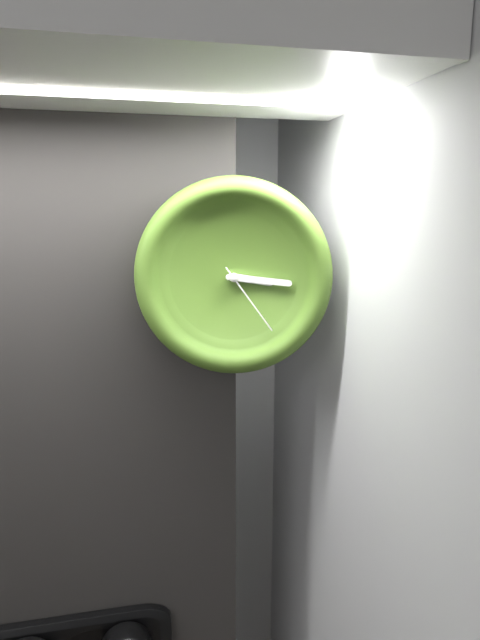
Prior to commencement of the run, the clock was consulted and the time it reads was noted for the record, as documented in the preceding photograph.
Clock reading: 3:16:24
